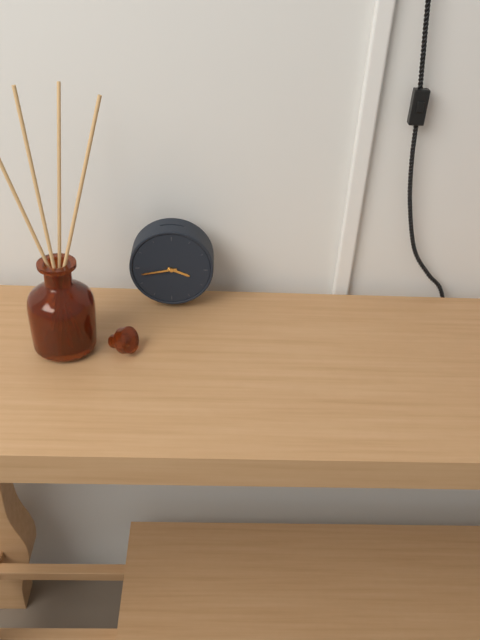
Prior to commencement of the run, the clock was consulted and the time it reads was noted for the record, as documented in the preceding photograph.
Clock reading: 3:43
